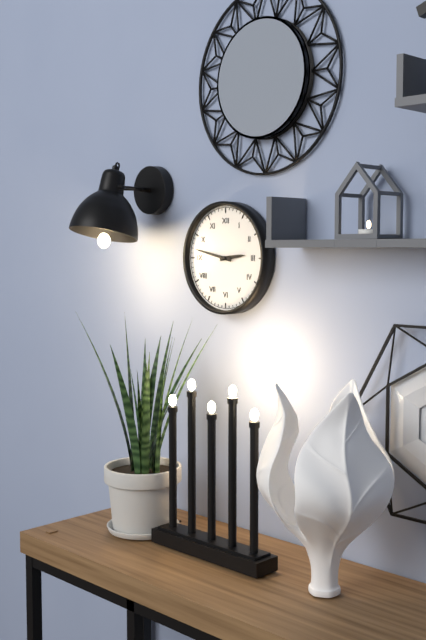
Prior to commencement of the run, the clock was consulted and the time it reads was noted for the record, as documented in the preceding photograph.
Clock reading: 2:47
